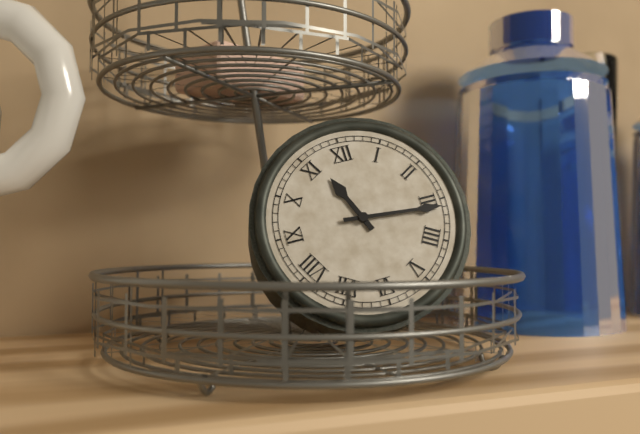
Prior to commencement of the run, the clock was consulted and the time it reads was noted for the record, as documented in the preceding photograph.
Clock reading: 11:16
